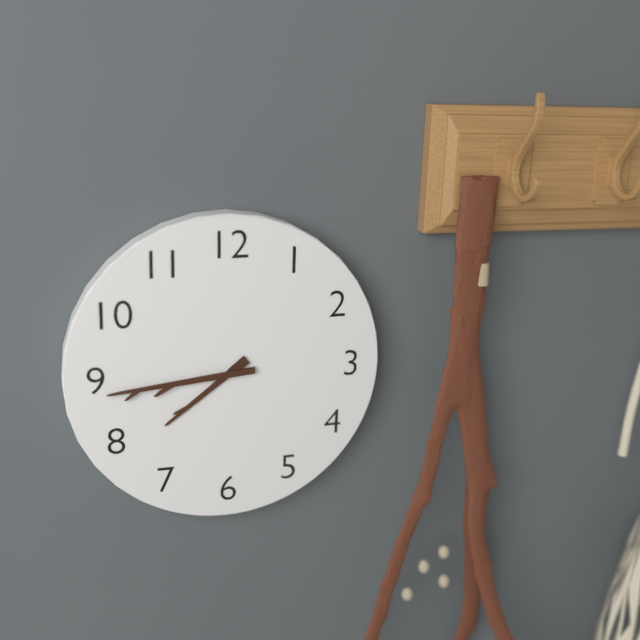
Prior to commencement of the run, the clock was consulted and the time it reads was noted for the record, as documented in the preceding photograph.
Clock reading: 7:44
